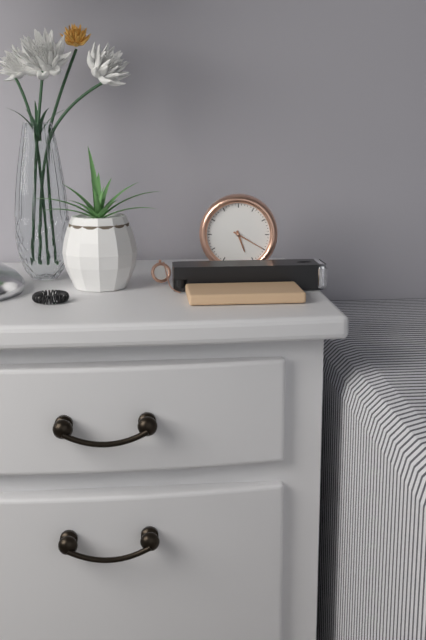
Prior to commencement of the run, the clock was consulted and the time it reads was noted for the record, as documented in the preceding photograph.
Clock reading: 5:20
